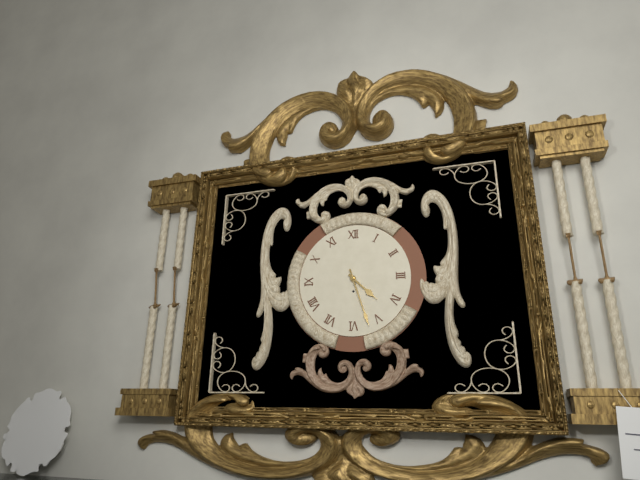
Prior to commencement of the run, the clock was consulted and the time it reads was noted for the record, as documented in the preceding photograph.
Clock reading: 4:27
